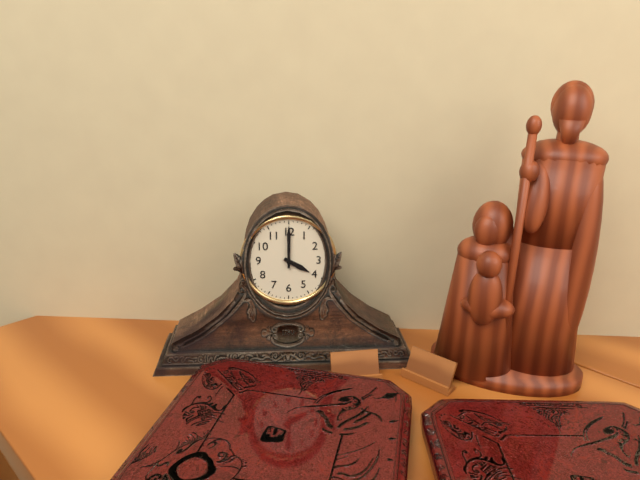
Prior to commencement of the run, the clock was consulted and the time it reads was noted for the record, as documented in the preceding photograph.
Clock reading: 4:00
